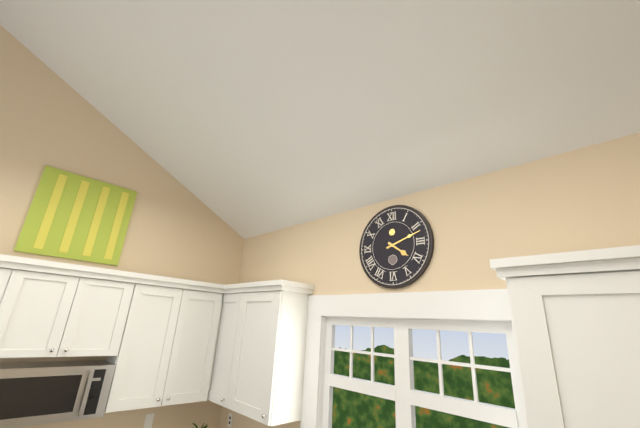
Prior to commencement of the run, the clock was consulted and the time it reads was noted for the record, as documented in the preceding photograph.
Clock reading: 4:12
